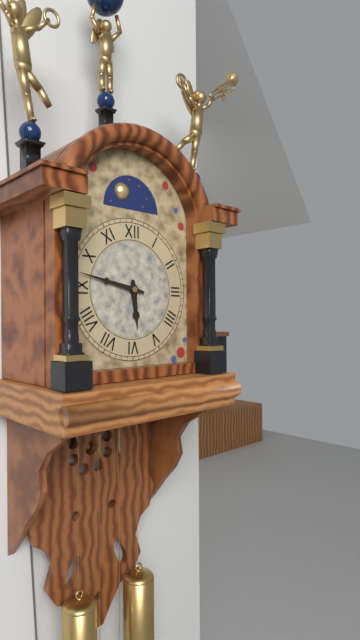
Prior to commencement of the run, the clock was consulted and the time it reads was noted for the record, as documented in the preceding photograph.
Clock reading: 5:47
